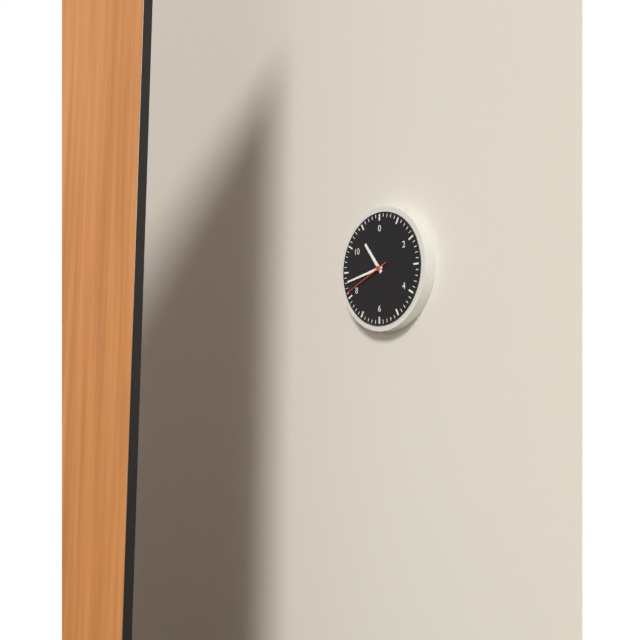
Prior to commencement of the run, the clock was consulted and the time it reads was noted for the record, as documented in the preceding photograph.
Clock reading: 10:43:41
